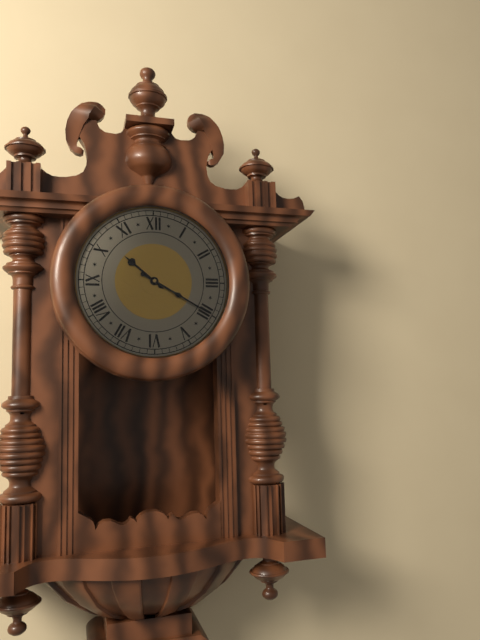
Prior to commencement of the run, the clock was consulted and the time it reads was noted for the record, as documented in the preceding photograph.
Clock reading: 10:20
